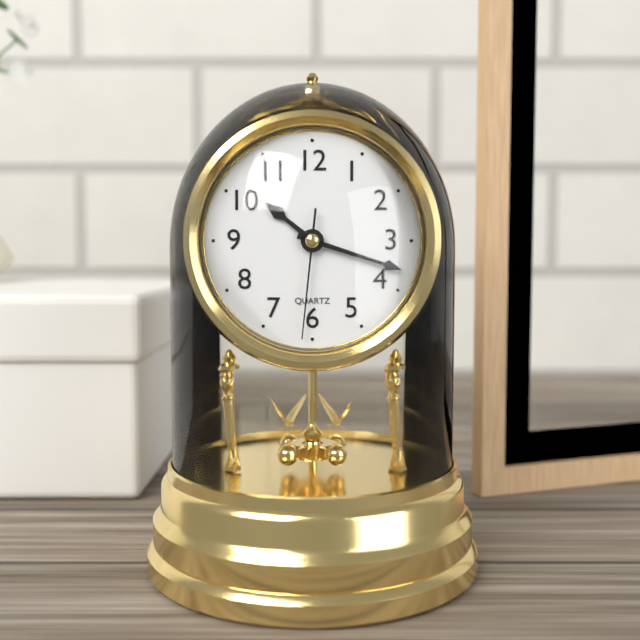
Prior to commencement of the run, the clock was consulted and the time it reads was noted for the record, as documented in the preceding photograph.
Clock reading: 10:18:31
